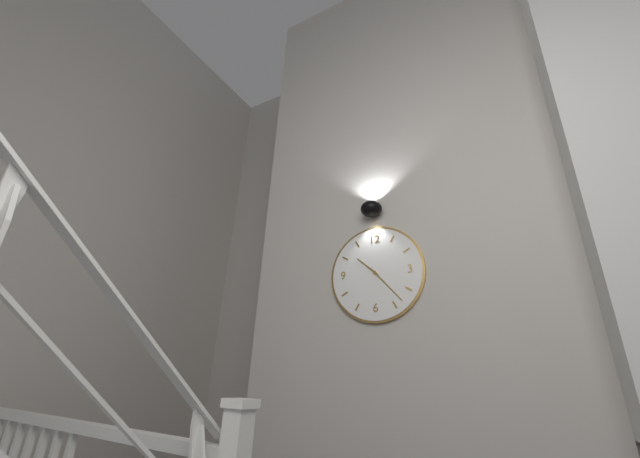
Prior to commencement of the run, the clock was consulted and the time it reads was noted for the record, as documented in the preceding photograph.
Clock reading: 10:23
